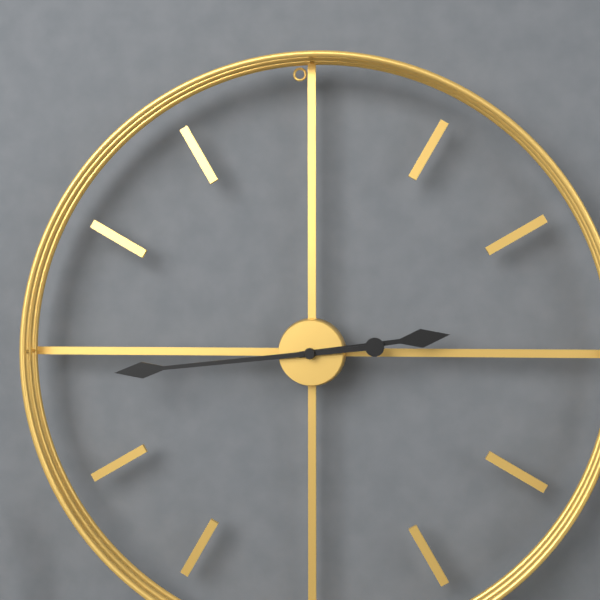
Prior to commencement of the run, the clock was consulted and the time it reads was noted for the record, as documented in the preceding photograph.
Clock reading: 2:44
